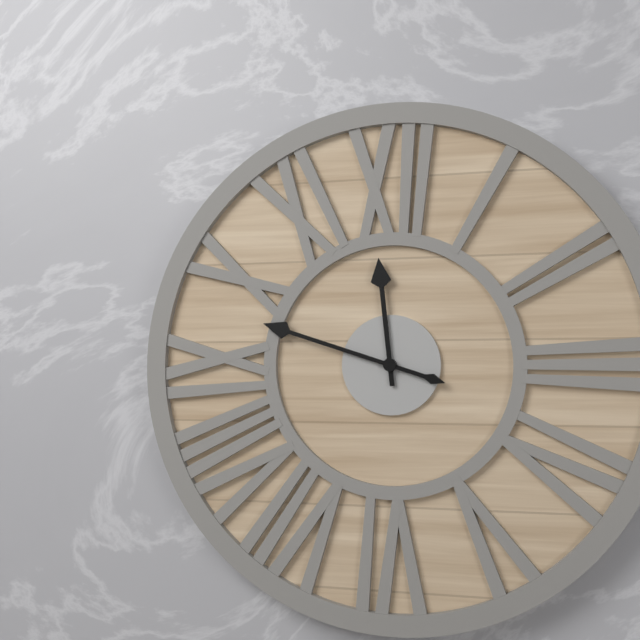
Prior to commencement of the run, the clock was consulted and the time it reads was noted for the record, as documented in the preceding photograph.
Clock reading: 11:48
